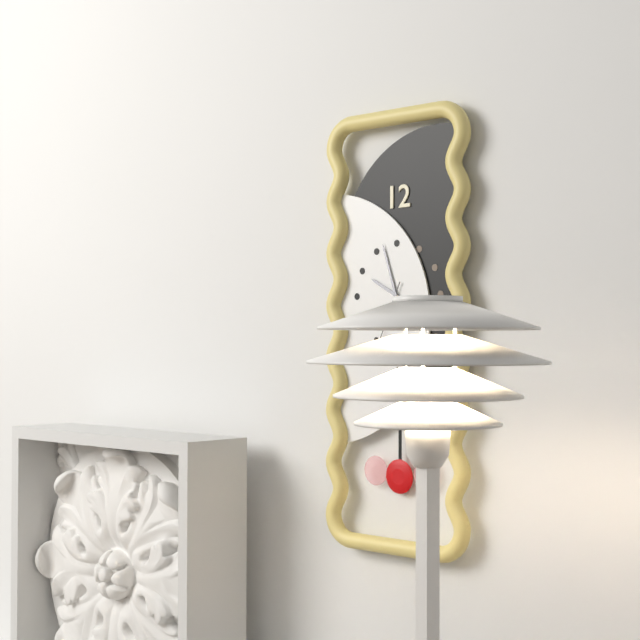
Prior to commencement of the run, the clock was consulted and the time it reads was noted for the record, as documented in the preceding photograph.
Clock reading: 9:57
